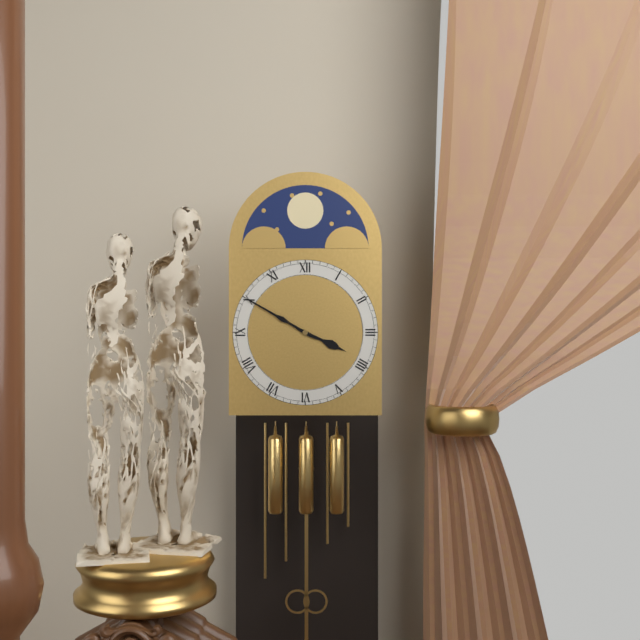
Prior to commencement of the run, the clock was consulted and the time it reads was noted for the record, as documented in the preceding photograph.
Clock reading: 3:50
